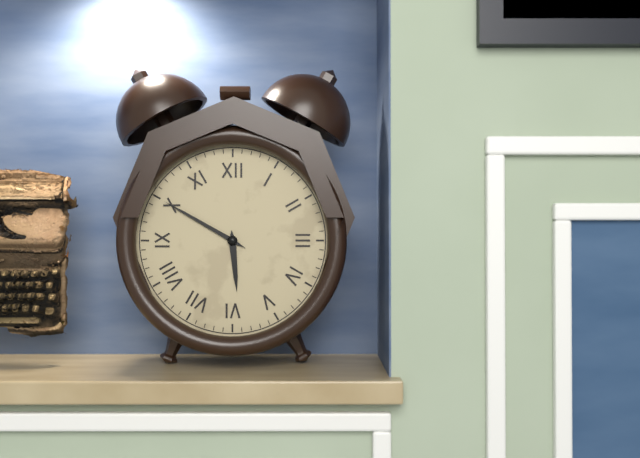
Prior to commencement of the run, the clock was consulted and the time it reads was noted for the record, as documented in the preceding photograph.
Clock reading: 5:50
